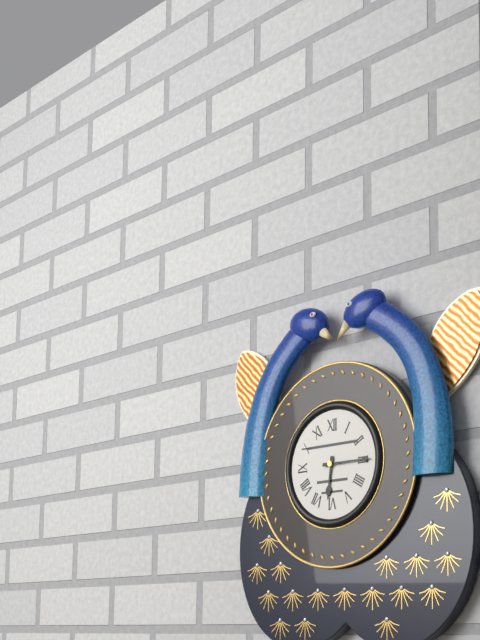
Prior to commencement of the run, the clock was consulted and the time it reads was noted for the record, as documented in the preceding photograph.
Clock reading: 6:15
